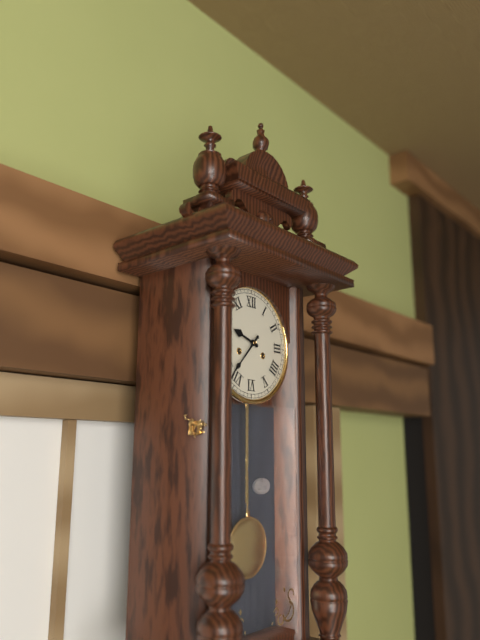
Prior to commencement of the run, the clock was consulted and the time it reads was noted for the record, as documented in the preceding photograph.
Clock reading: 9:37
